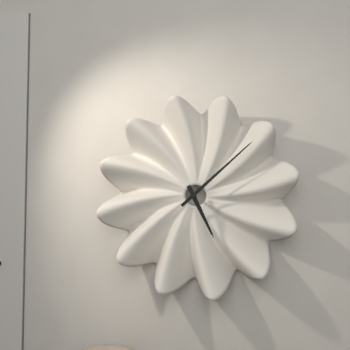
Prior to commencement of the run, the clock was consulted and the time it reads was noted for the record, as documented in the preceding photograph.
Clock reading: 5:08
